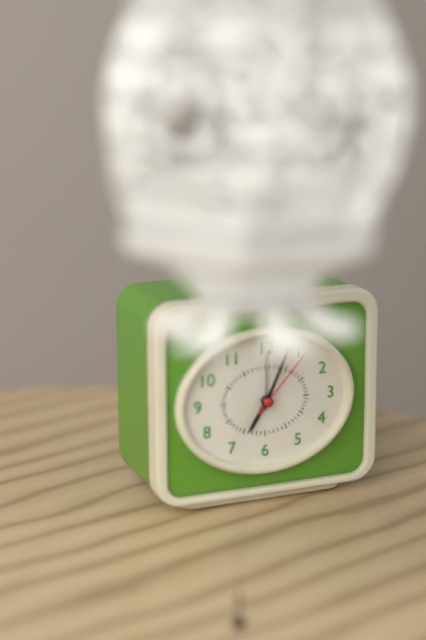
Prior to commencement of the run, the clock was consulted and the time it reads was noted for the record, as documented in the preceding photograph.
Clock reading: 7:04:07
